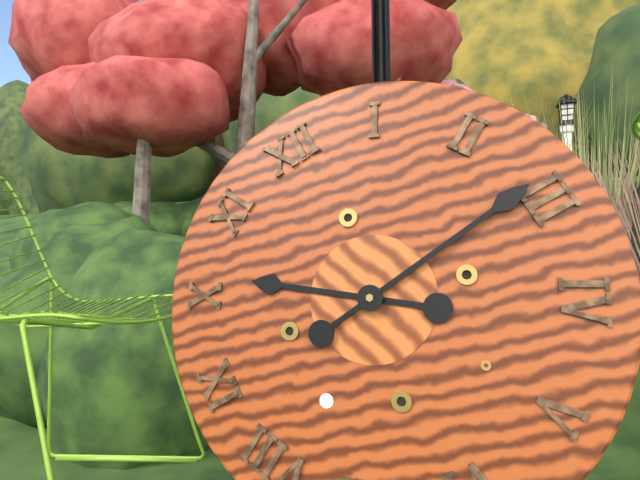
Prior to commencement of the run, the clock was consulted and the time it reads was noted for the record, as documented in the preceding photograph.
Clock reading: 10:14
